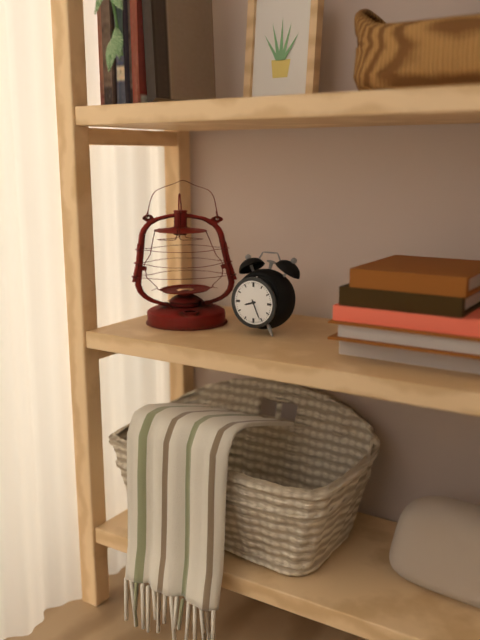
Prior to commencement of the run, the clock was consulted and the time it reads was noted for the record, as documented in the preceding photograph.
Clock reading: 8:26
